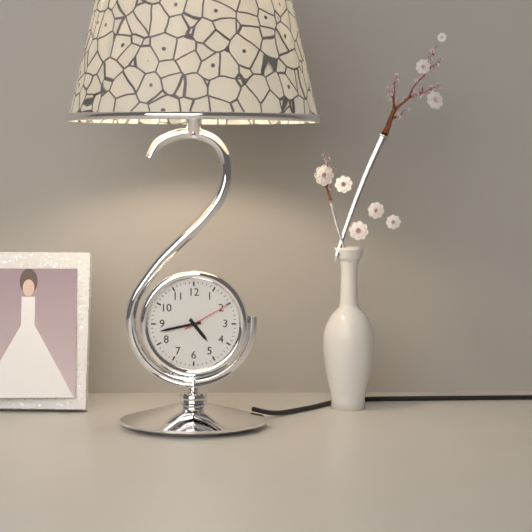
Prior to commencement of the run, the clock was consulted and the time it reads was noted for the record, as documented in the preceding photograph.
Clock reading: 4:43
